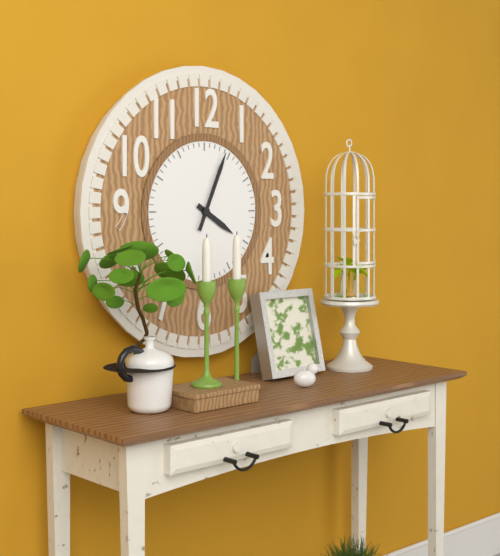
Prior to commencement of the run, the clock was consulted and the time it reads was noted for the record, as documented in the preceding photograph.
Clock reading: 4:04
